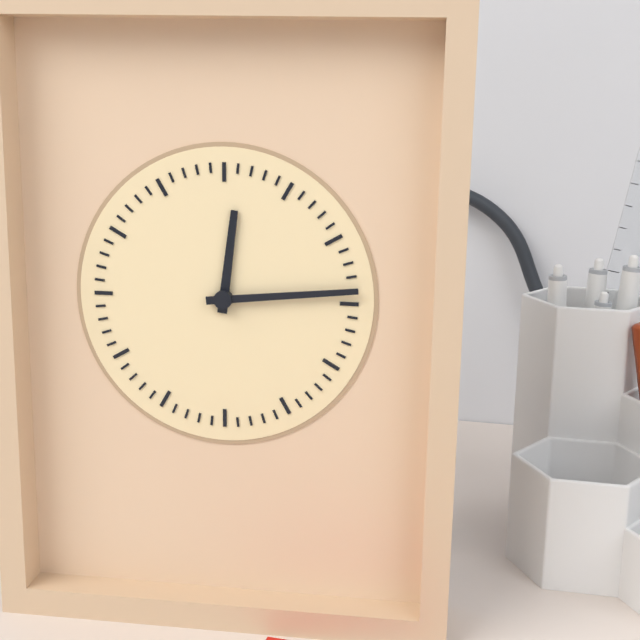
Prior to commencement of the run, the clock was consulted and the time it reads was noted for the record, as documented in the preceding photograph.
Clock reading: 12:14
